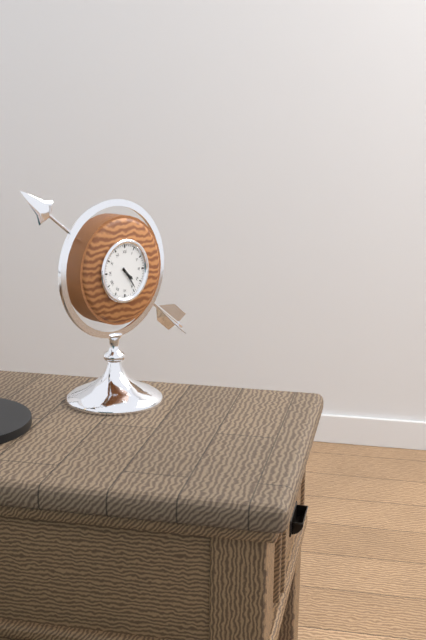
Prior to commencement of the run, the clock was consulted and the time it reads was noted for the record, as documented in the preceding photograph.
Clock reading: 4:24
